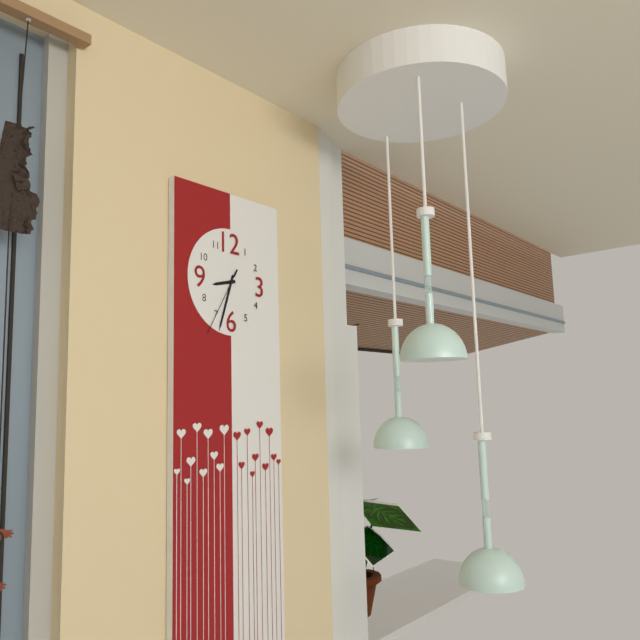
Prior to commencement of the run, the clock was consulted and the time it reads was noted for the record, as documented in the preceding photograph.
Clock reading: 8:33:35
